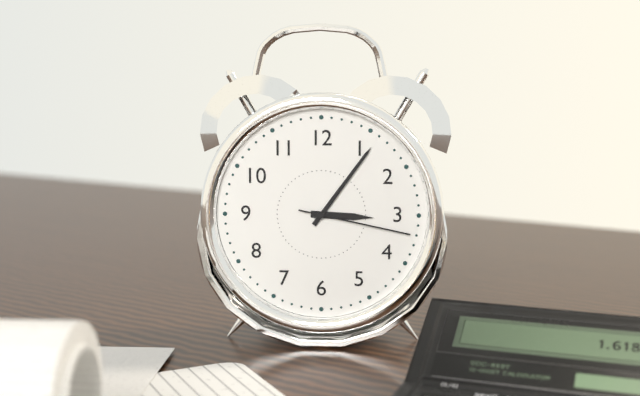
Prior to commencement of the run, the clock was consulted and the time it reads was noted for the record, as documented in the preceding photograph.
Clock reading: 3:06:17
